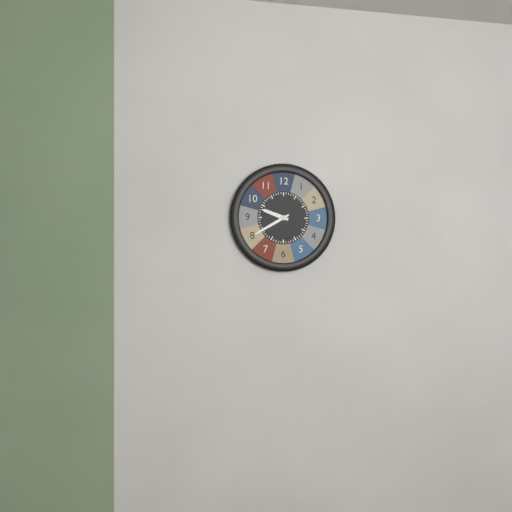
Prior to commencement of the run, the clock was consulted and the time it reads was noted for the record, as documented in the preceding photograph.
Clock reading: 9:40
